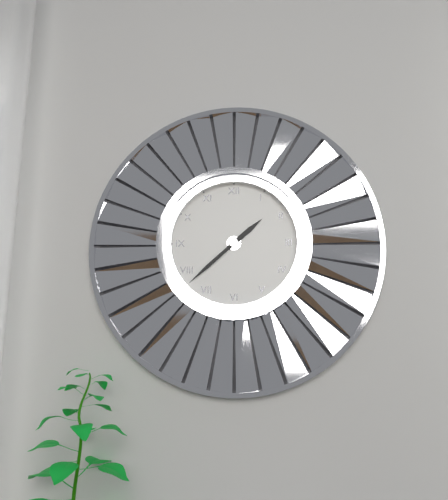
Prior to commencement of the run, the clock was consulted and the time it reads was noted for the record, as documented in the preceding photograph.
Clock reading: 1:38
